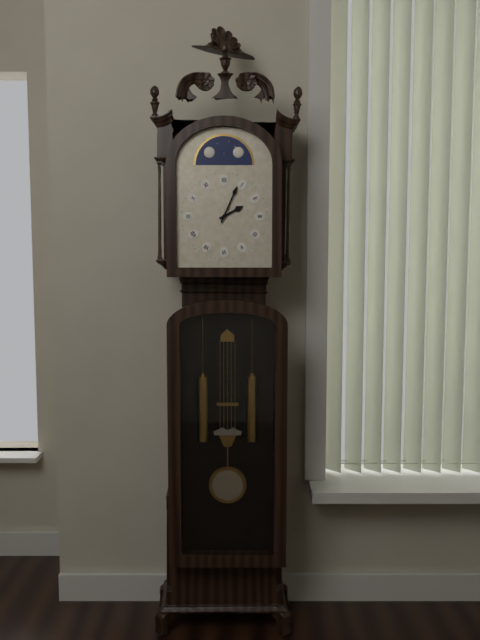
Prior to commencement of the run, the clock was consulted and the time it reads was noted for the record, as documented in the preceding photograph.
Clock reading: 2:04
